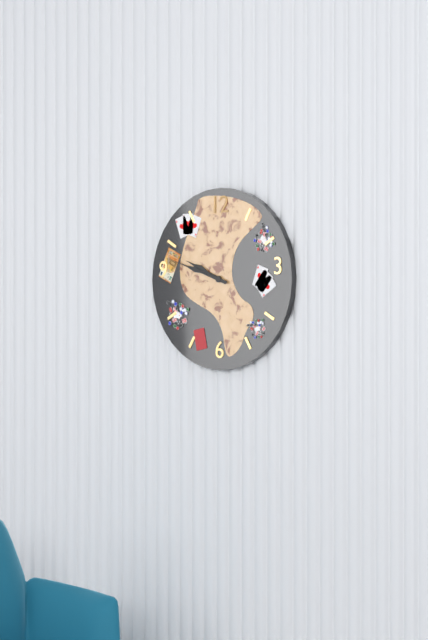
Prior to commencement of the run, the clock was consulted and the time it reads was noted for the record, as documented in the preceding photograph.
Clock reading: 9:48
